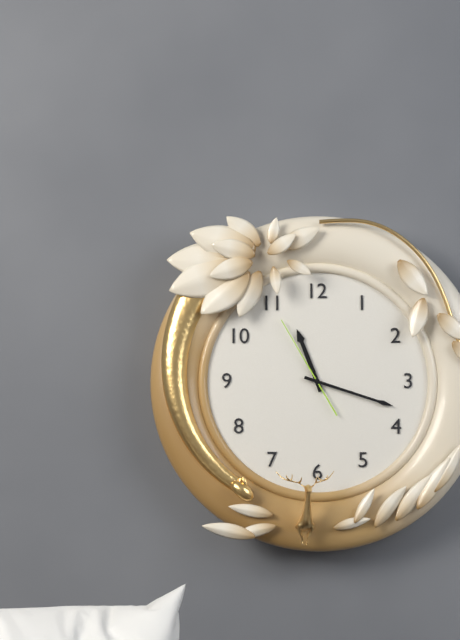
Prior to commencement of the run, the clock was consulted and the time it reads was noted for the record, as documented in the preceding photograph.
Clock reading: 11:18:55
